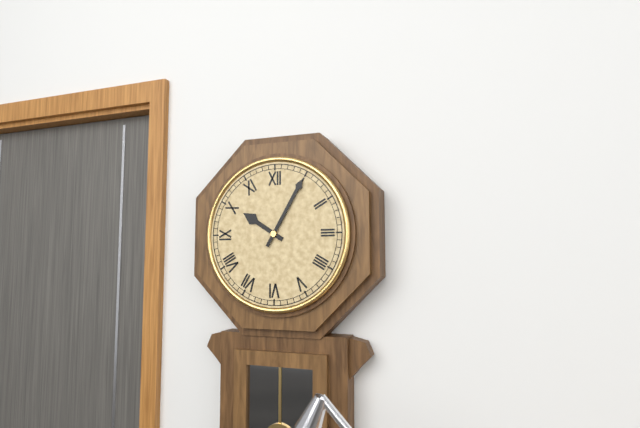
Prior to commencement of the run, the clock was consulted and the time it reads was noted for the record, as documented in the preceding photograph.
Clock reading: 10:05
